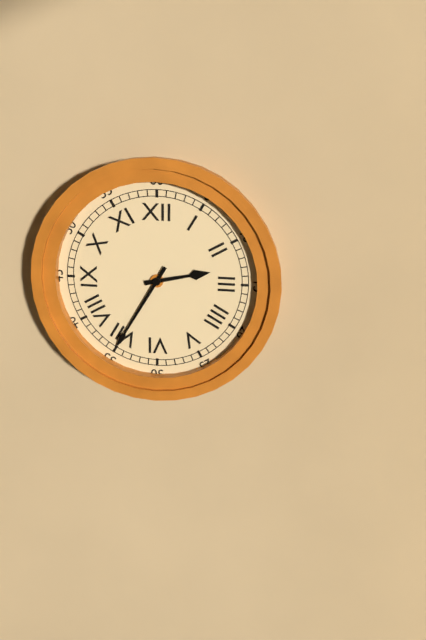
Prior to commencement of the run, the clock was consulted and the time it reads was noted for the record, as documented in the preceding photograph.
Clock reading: 2:35
